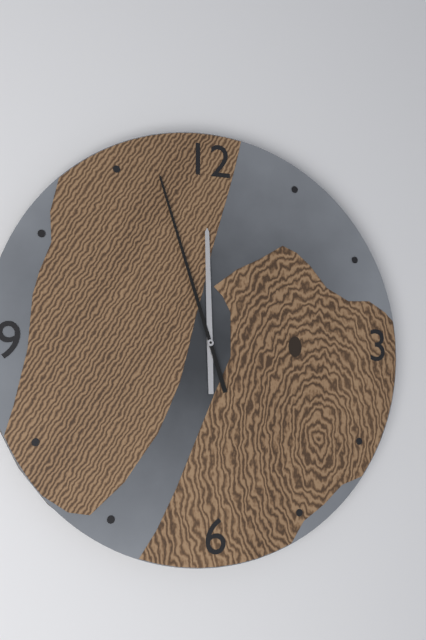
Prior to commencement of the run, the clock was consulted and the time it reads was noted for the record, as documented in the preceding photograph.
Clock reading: 11:57
